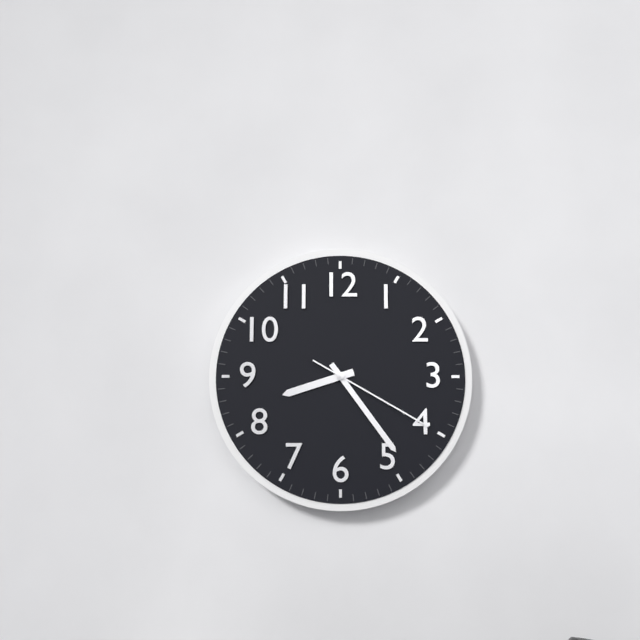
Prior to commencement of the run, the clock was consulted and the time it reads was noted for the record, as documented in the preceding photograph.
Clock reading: 8:24:20
